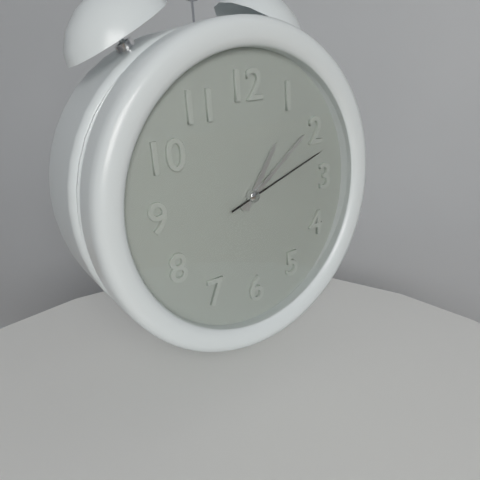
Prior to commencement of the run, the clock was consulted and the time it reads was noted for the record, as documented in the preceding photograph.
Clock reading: 1:09:12
